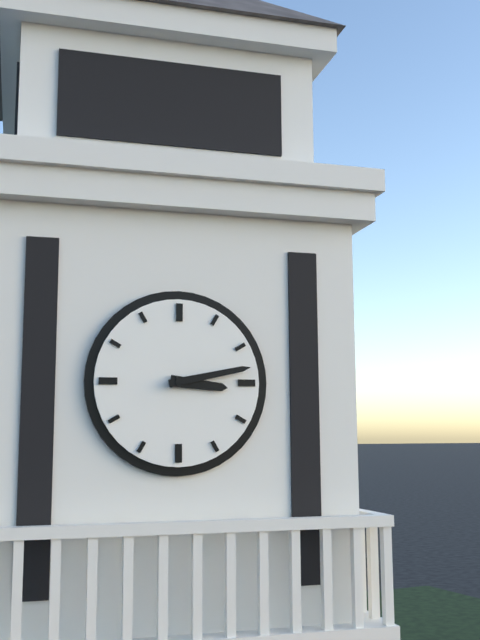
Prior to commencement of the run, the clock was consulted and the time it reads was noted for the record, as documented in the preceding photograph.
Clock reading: 3:13
